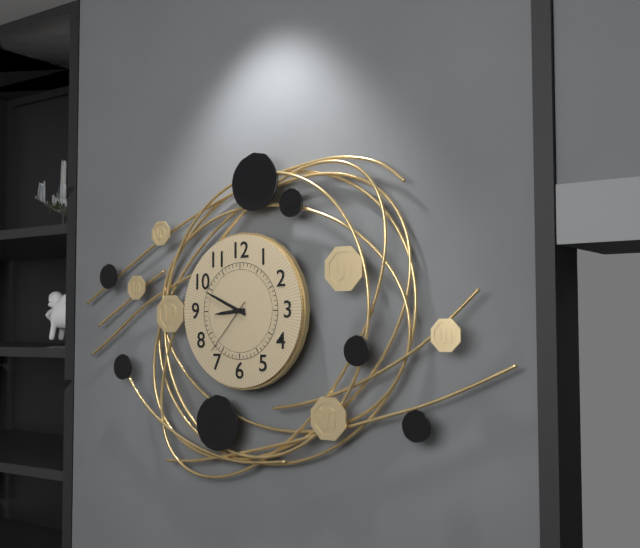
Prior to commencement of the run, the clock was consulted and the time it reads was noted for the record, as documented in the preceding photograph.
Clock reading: 8:49:37
